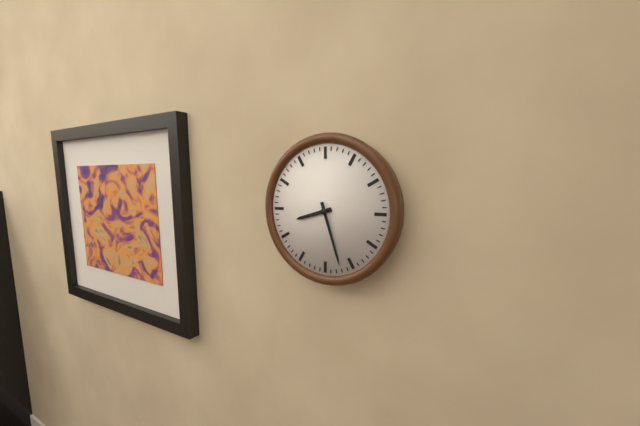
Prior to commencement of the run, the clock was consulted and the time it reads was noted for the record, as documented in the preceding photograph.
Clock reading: 8:27
